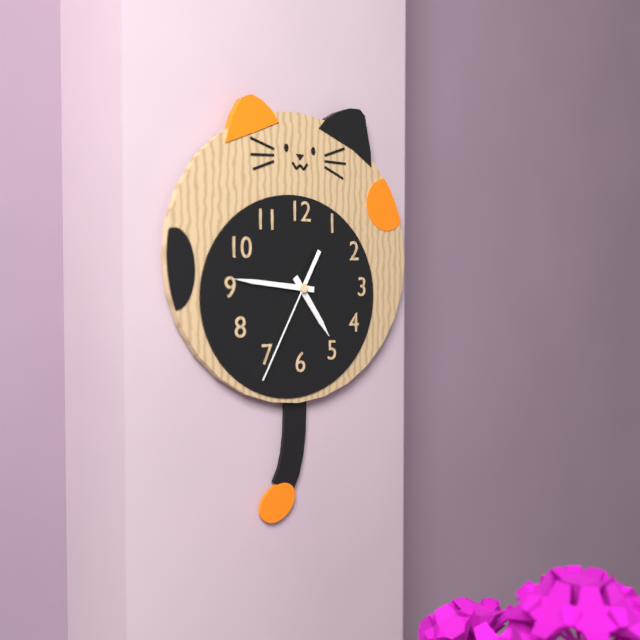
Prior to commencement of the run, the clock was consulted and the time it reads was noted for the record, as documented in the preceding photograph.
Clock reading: 4:46:35
